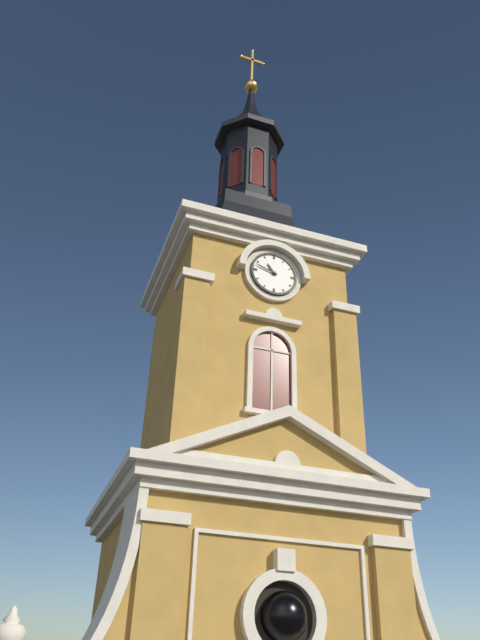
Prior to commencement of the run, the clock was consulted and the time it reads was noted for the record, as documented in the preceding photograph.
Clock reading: 10:48
